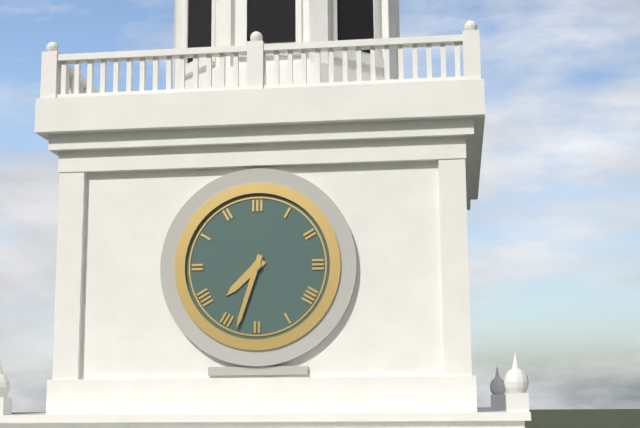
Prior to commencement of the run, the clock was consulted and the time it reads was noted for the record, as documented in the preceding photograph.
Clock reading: 7:33
